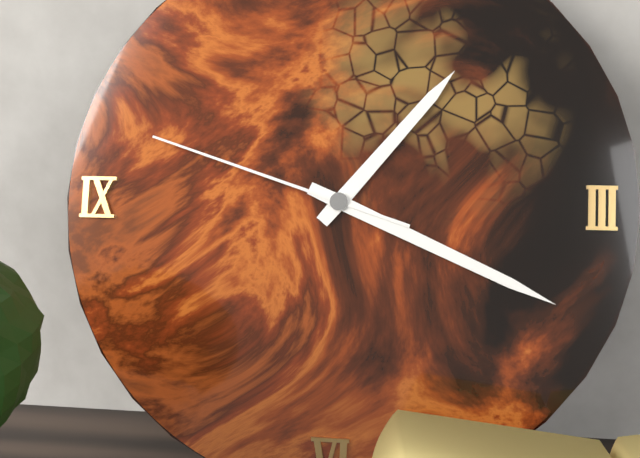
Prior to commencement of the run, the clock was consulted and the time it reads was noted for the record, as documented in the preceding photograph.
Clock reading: 1:19:48
